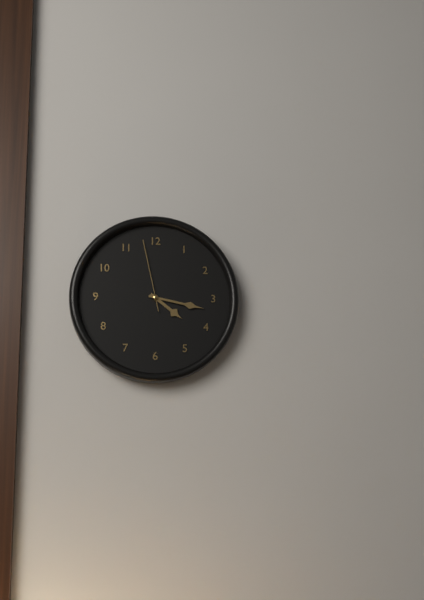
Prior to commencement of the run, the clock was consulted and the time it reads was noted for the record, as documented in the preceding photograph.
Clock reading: 4:17:58
